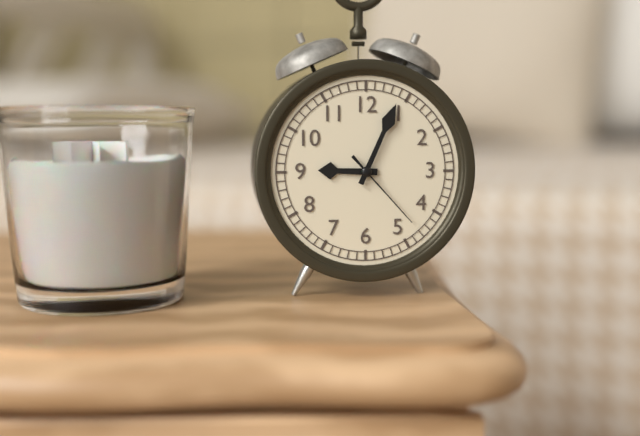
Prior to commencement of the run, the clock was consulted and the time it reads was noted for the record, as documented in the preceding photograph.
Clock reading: 9:04:23
